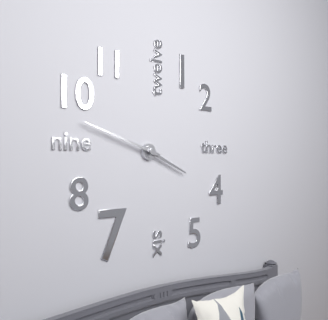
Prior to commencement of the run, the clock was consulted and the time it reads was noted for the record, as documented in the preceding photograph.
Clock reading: 3:48
